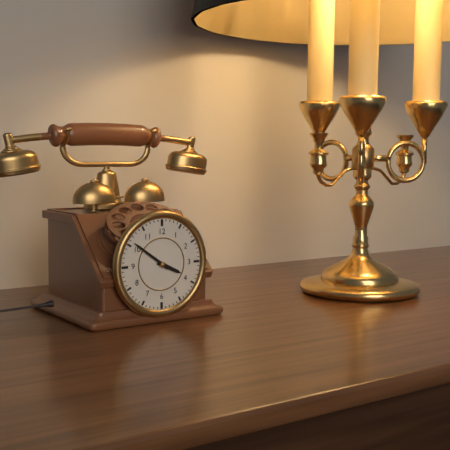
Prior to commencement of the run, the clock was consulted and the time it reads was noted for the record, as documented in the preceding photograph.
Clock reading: 3:51
